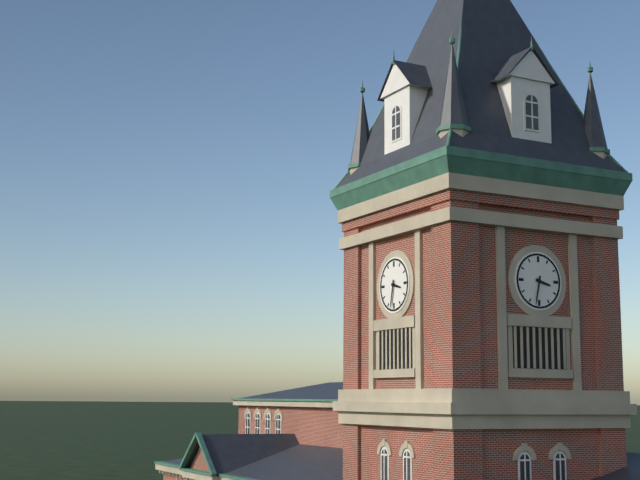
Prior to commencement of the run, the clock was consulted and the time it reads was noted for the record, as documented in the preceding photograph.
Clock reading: 3:32
